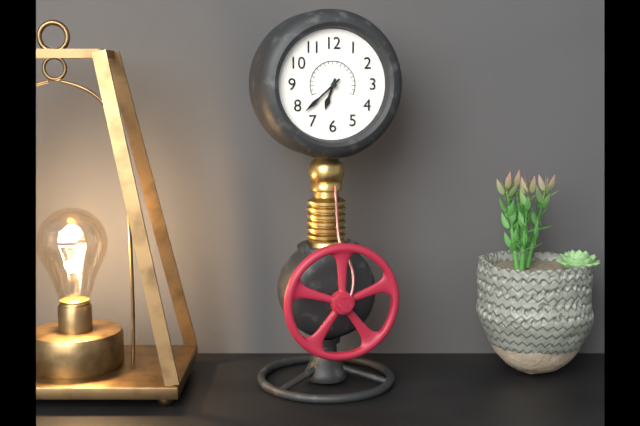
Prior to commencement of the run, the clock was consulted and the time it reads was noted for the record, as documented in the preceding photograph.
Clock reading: 6:38
